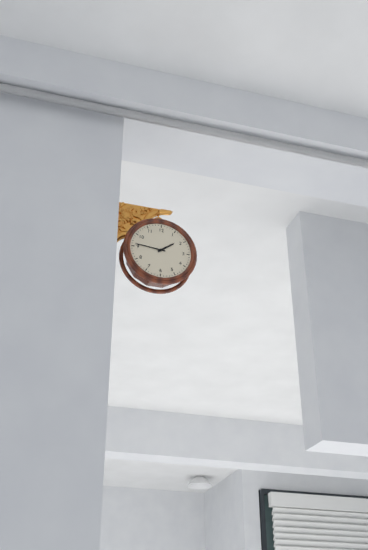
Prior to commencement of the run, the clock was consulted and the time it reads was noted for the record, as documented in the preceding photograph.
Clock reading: 1:46
